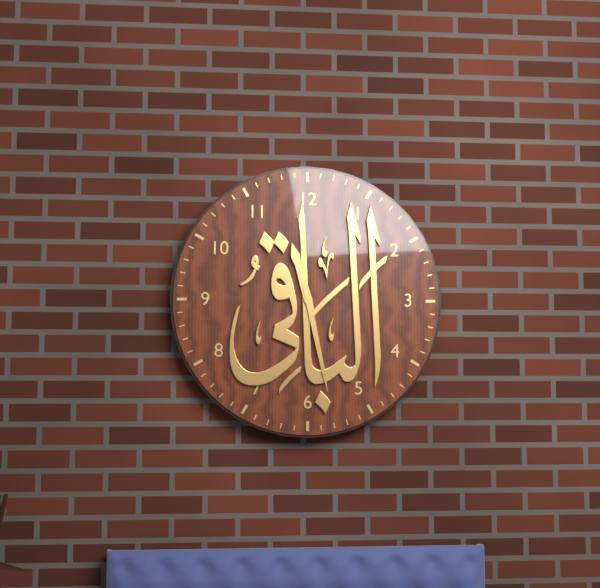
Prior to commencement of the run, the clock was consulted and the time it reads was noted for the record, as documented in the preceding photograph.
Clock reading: 11:28
